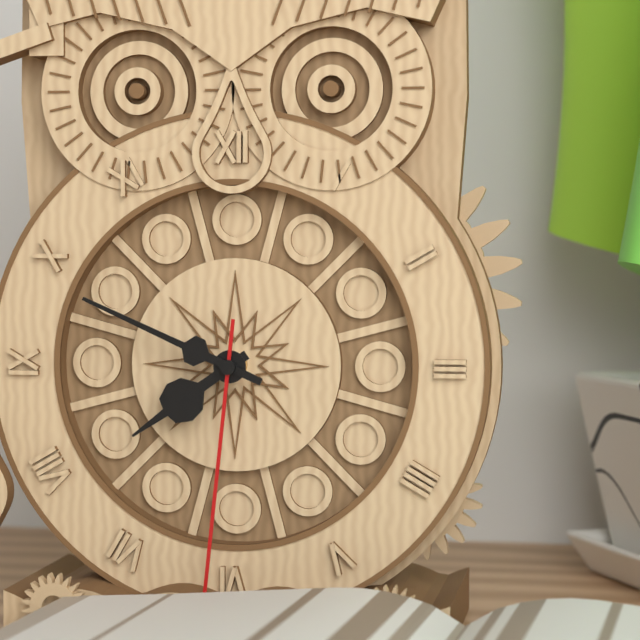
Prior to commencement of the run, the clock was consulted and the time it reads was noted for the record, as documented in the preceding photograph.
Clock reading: 7:49:31
